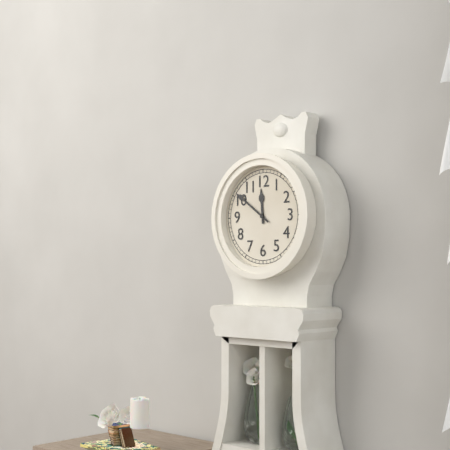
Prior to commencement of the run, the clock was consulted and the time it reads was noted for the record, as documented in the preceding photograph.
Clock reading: 11:51
